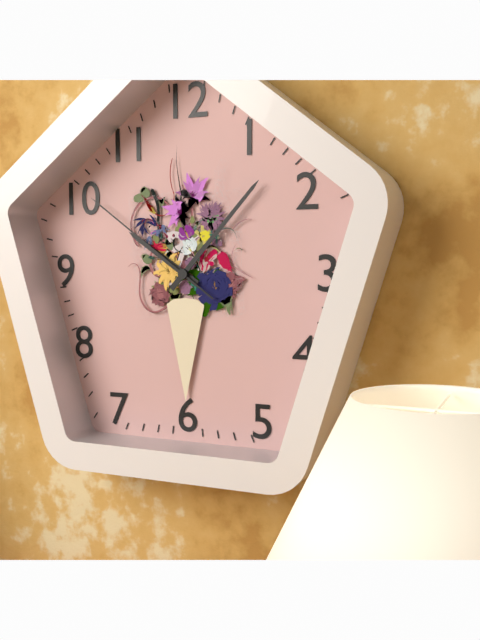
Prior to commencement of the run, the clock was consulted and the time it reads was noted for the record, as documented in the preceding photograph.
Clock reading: 10:07:51
